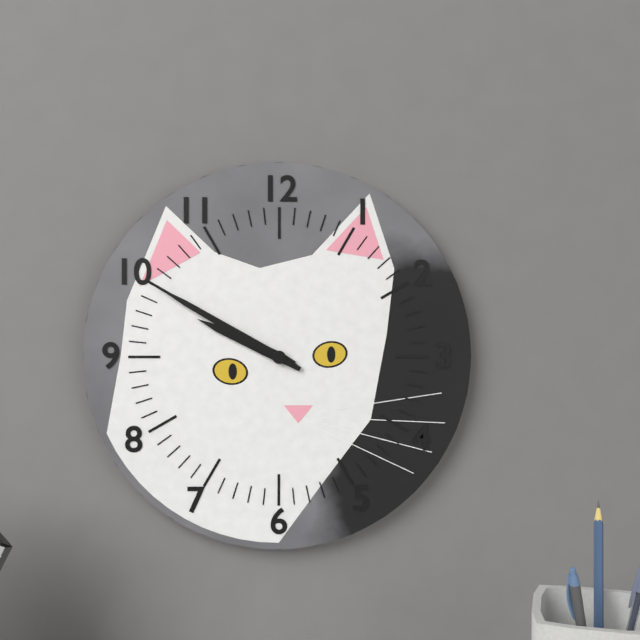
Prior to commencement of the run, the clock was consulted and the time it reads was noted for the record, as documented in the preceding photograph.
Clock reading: 9:50
